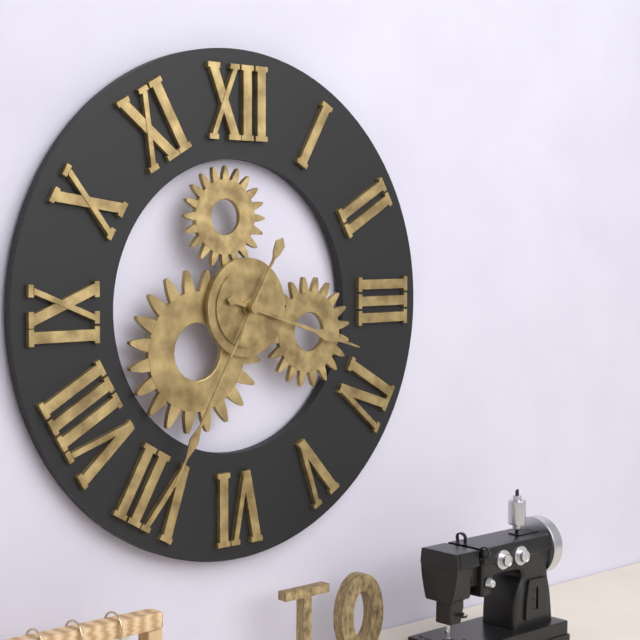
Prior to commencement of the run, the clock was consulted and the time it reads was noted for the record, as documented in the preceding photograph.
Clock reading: 3:35
